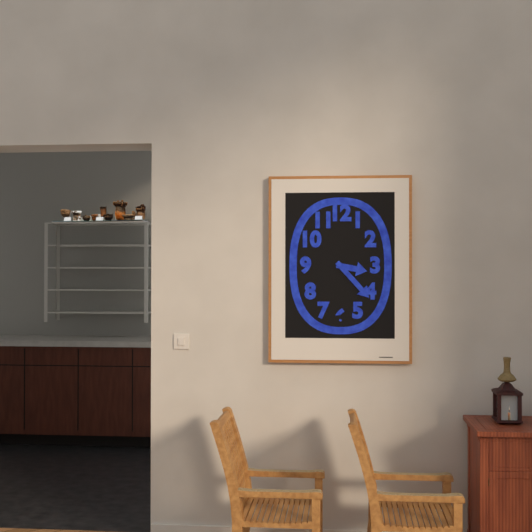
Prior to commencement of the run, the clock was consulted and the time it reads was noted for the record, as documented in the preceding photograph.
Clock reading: 3:23
